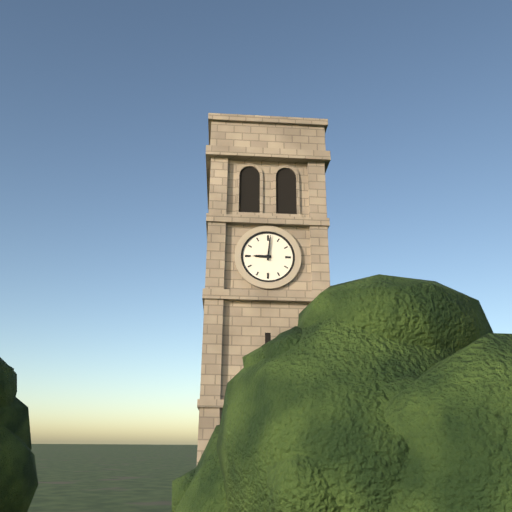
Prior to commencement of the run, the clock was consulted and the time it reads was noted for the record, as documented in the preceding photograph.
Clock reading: 9:01
